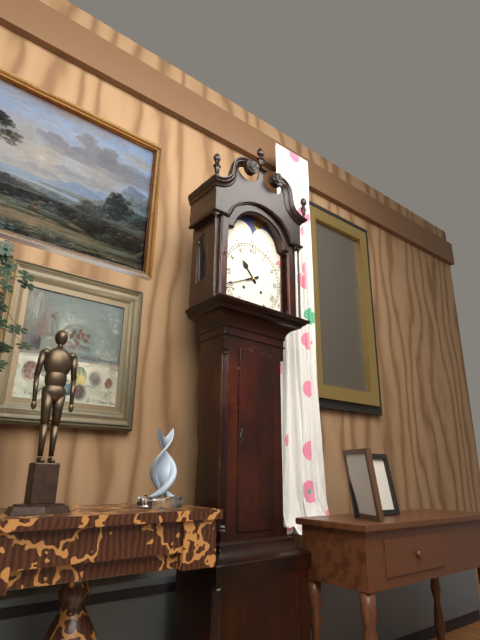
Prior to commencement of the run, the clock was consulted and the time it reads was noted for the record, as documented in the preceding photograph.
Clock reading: 10:41
